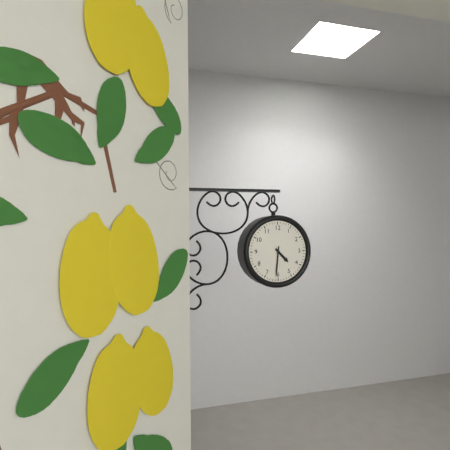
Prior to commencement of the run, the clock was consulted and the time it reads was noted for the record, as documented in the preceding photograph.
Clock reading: 4:31
